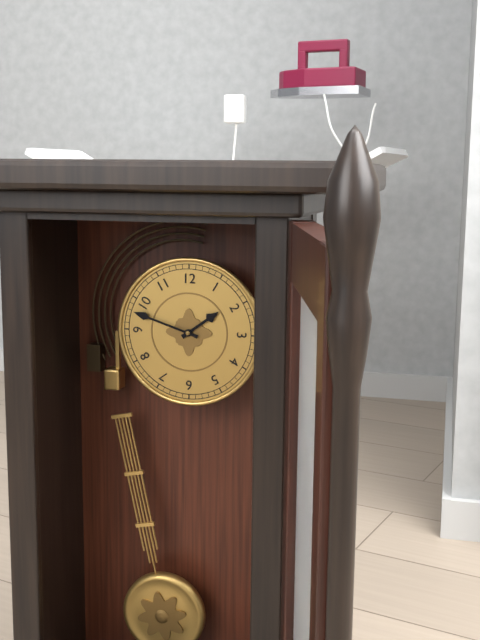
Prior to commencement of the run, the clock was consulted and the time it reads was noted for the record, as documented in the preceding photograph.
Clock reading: 1:48
